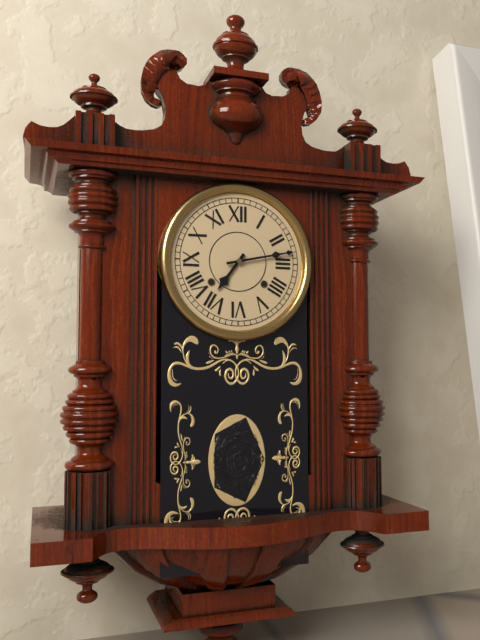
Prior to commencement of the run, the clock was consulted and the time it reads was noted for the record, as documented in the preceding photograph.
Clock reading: 7:13
